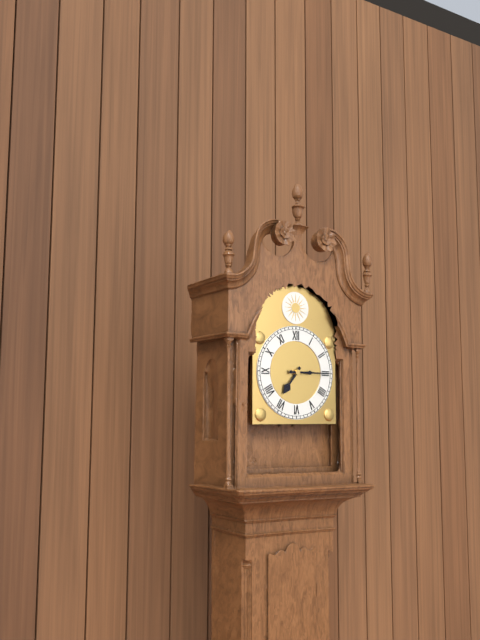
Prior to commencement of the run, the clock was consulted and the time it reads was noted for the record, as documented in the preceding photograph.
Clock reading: 7:15
